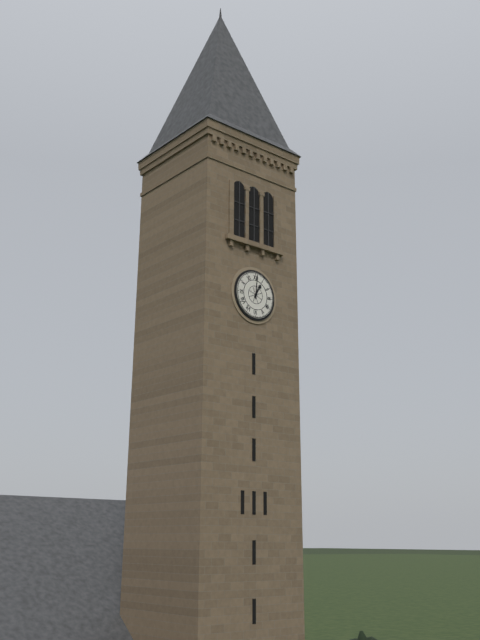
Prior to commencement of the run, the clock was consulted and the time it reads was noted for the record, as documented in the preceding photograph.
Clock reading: 1:01
